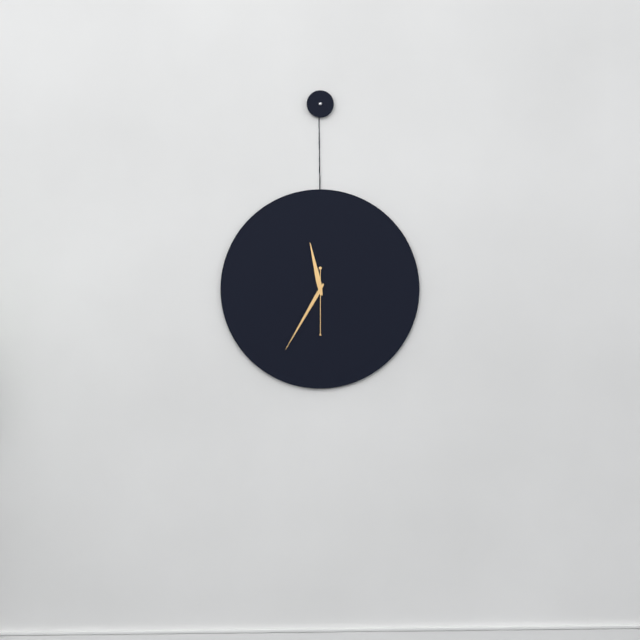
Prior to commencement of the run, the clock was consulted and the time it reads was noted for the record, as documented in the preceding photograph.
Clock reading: 11:35:30
